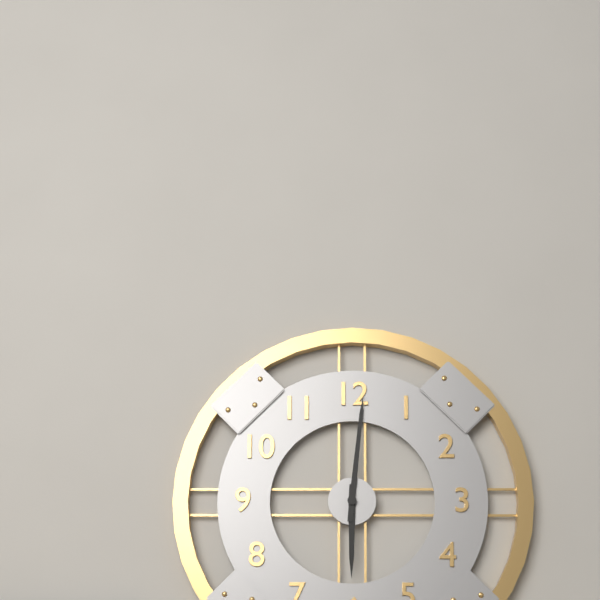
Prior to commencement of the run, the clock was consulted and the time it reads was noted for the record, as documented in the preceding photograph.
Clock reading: 6:01
